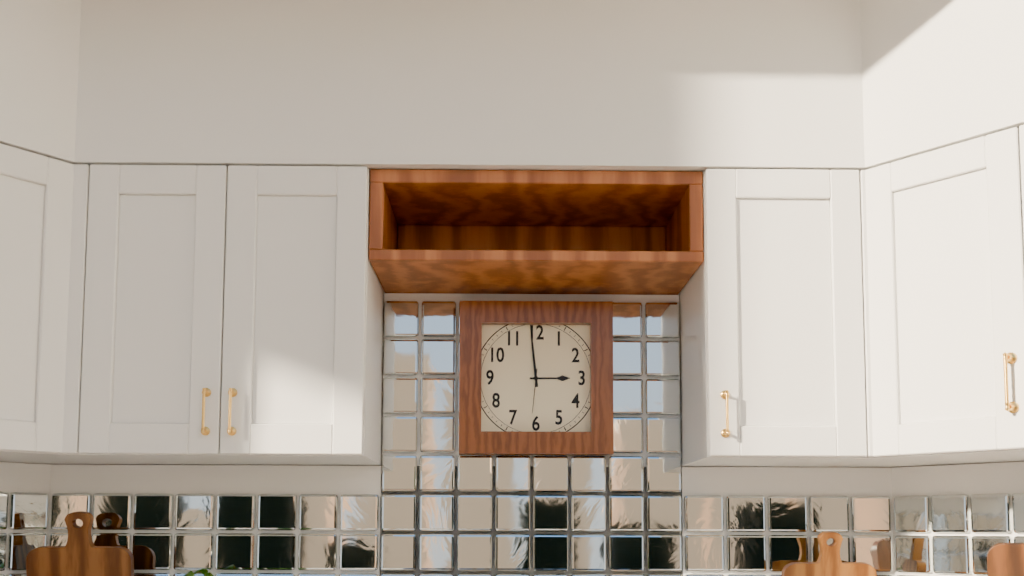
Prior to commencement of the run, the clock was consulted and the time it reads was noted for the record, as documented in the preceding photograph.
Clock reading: 2:59
